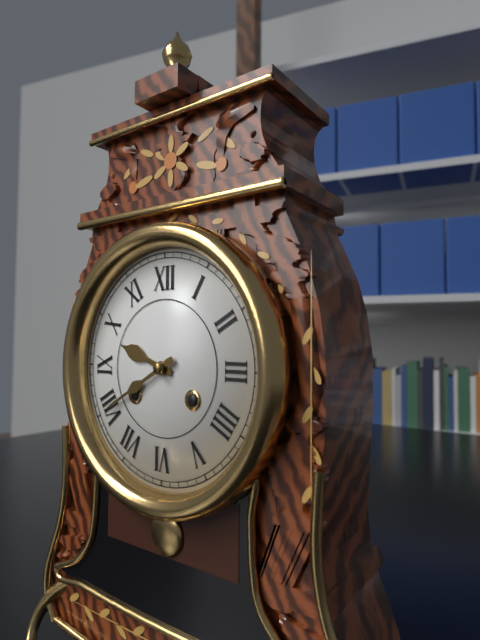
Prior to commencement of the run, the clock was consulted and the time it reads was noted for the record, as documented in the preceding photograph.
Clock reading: 9:40
